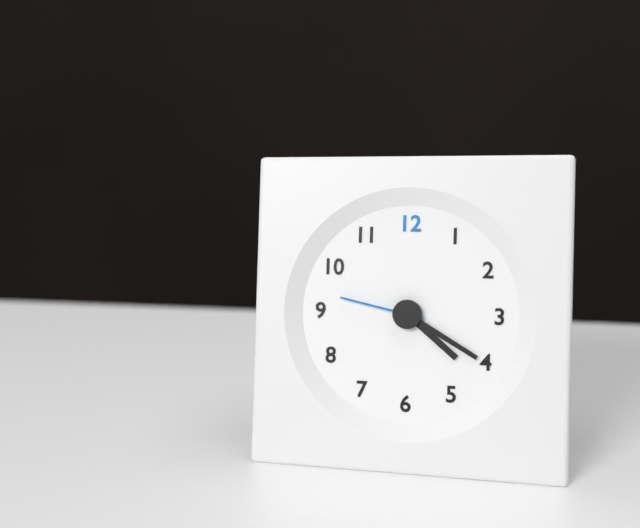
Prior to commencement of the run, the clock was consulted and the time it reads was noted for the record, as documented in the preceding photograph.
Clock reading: 4:20:47
